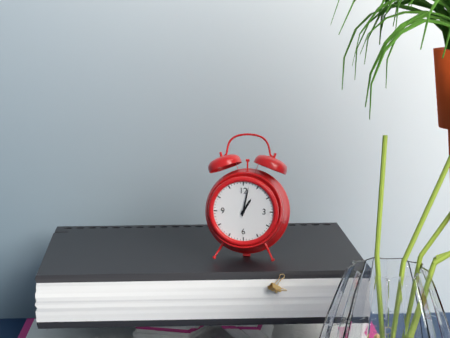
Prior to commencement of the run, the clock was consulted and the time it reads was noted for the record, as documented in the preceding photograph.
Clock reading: 1:02
